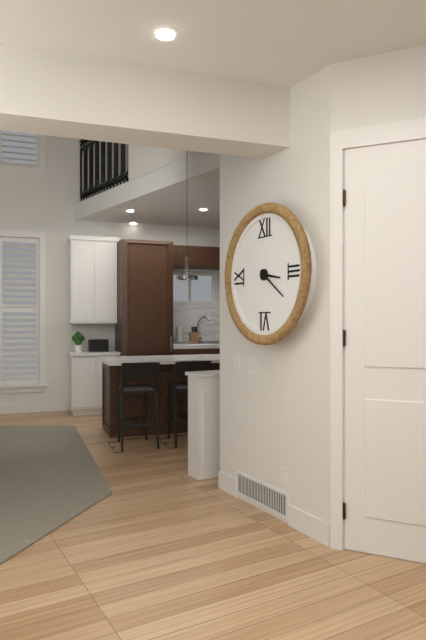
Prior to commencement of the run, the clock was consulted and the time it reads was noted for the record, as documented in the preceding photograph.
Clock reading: 3:21
